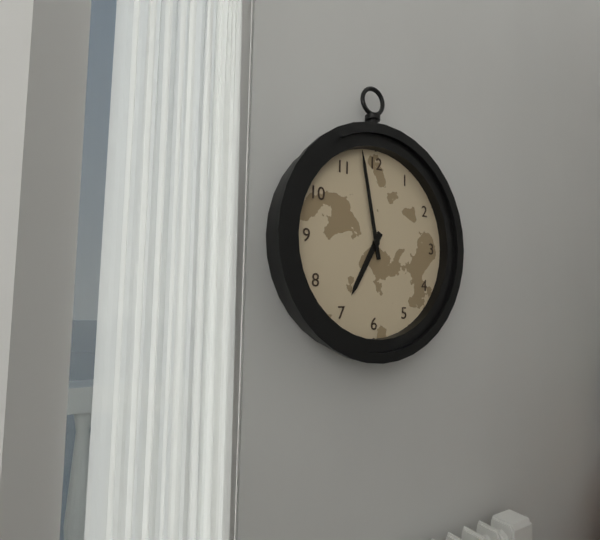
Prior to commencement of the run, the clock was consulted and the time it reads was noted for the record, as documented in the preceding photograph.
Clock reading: 6:58
